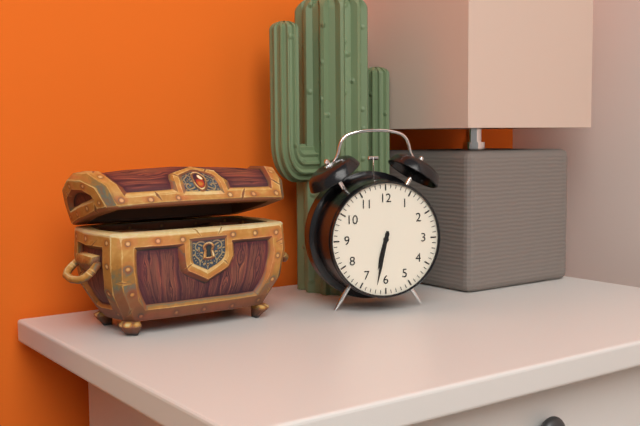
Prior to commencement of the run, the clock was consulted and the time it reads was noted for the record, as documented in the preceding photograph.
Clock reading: 6:32
